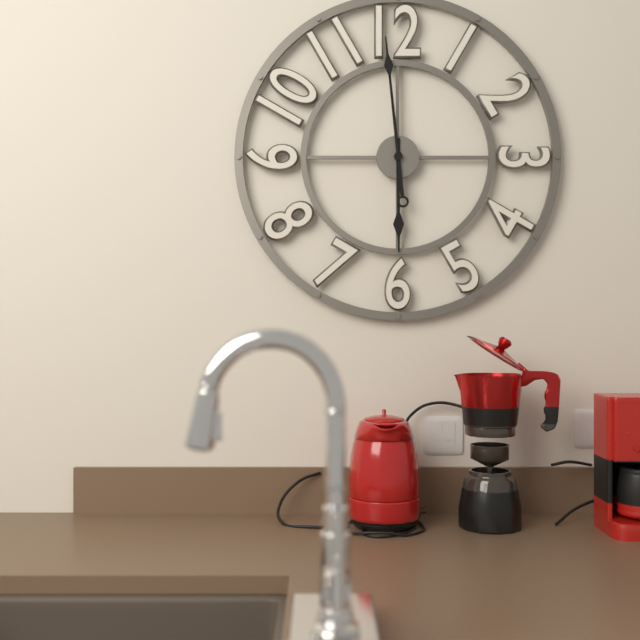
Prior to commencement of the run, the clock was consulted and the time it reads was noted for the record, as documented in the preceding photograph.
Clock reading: 5:59
